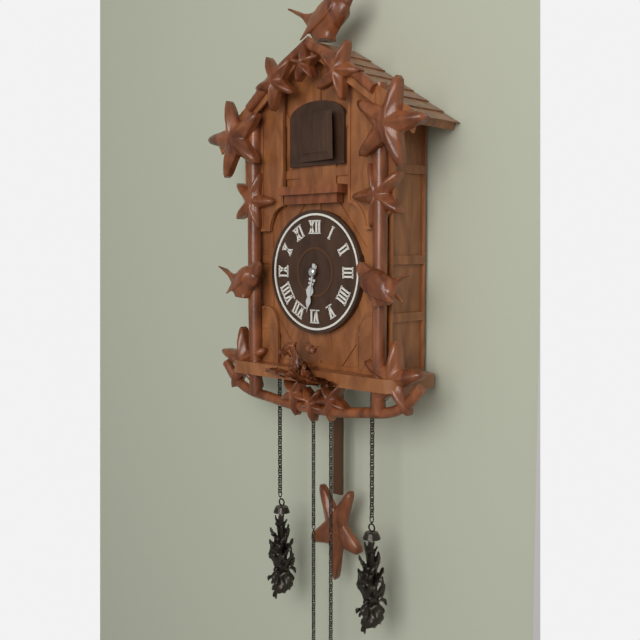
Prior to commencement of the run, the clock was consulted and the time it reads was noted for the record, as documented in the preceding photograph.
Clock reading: 6:32
